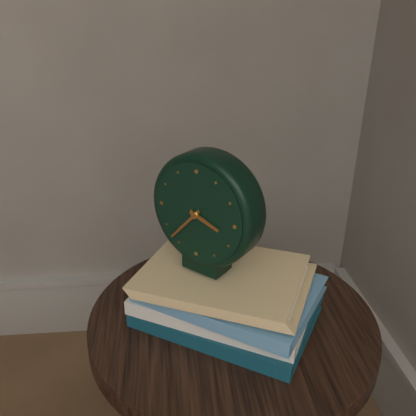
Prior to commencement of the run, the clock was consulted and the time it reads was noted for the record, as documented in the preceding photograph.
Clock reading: 3:37
